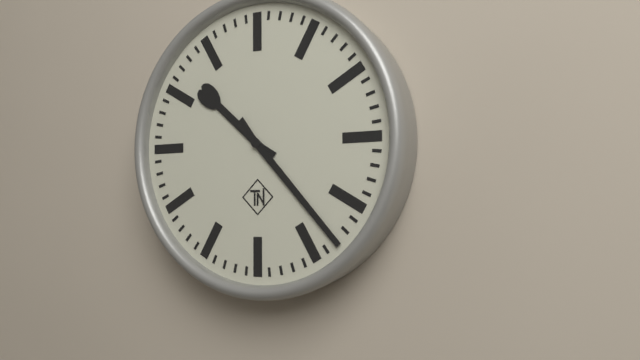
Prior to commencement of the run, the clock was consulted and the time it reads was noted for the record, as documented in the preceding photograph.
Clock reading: 10:23
